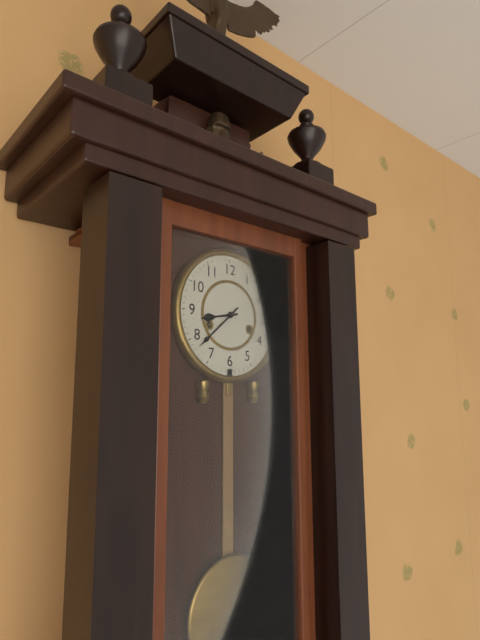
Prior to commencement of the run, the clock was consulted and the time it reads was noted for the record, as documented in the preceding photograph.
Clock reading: 8:38
